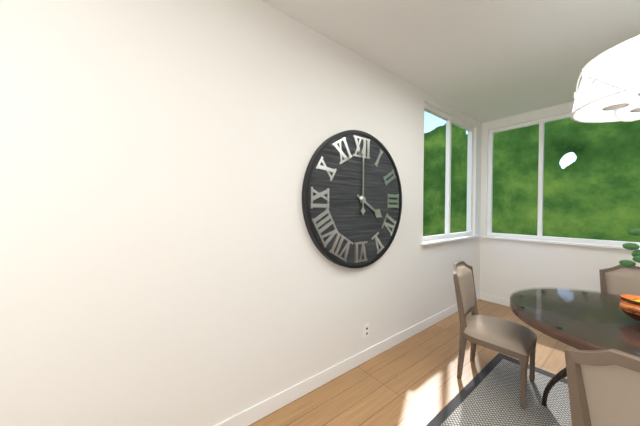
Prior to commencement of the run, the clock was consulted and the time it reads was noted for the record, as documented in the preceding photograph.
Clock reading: 4:00
